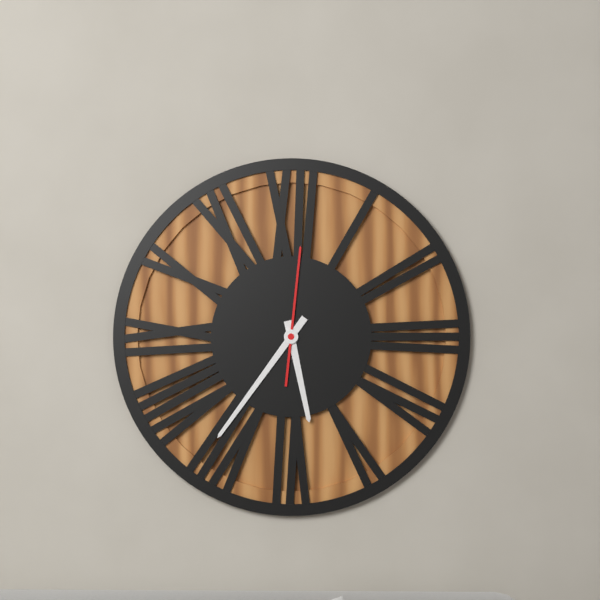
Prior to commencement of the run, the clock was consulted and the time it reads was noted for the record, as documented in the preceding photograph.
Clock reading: 5:36:01
